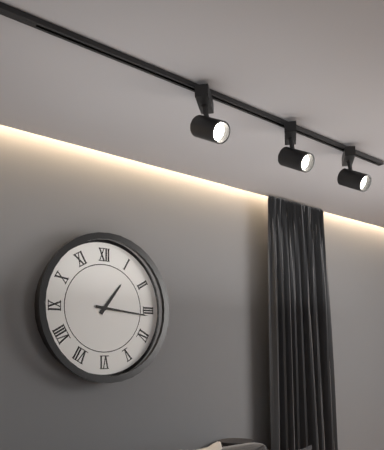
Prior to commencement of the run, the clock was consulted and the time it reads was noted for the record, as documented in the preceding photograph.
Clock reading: 1:16
